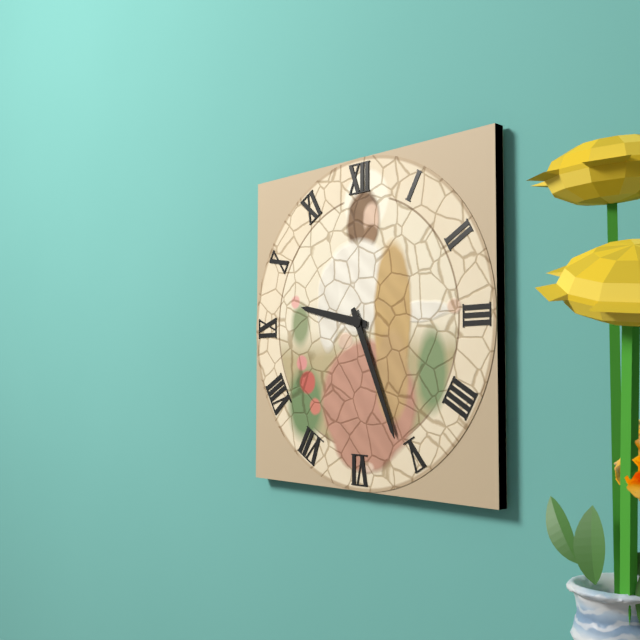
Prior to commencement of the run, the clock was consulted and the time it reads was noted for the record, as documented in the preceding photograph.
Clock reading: 9:26
